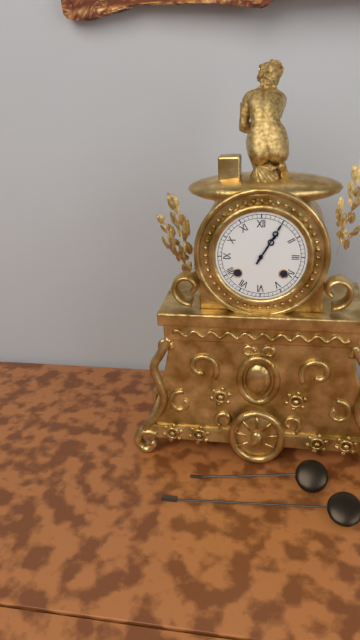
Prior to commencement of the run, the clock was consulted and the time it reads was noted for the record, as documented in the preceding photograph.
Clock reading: 1:05
